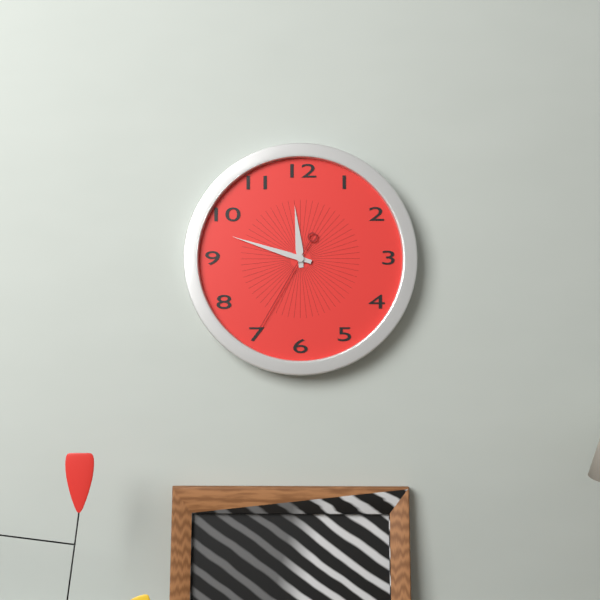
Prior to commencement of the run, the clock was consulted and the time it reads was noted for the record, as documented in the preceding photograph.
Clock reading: 11:48:35
